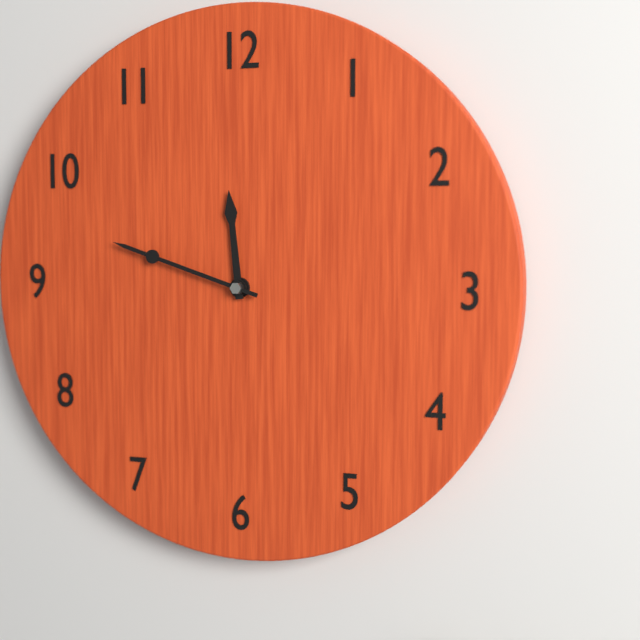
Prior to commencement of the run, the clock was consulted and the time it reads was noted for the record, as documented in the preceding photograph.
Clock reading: 11:48
